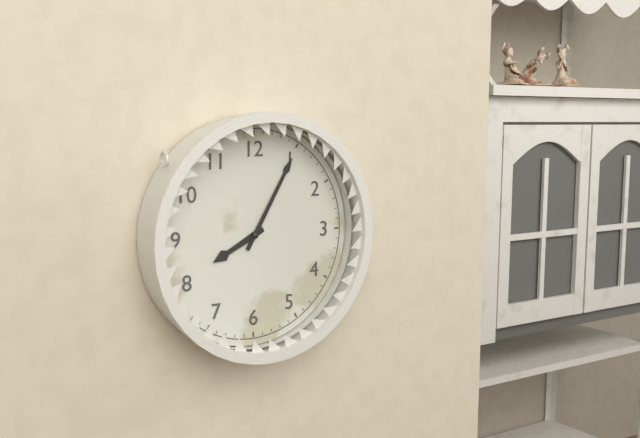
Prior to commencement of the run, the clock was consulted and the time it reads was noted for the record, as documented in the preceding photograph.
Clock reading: 8:05
